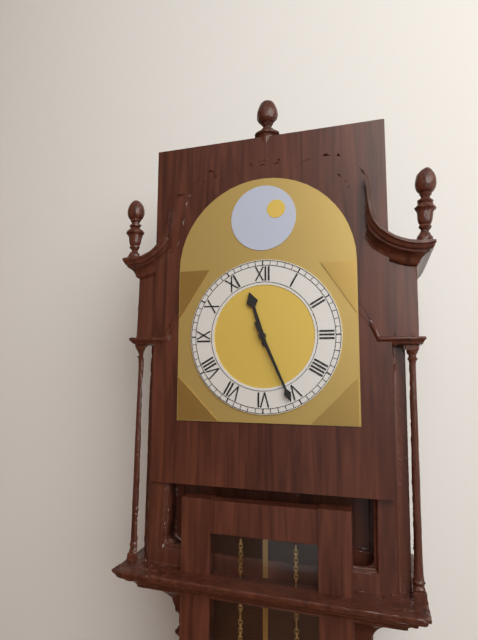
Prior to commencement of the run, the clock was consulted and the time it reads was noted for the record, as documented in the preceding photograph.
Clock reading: 11:26
